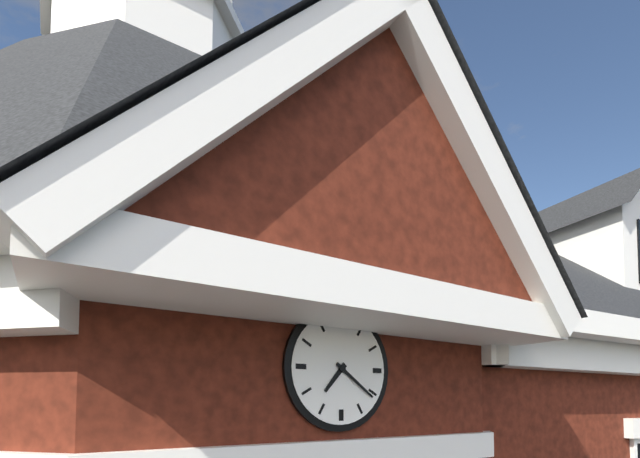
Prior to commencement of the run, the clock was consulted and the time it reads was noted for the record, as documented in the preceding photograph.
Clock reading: 7:21
